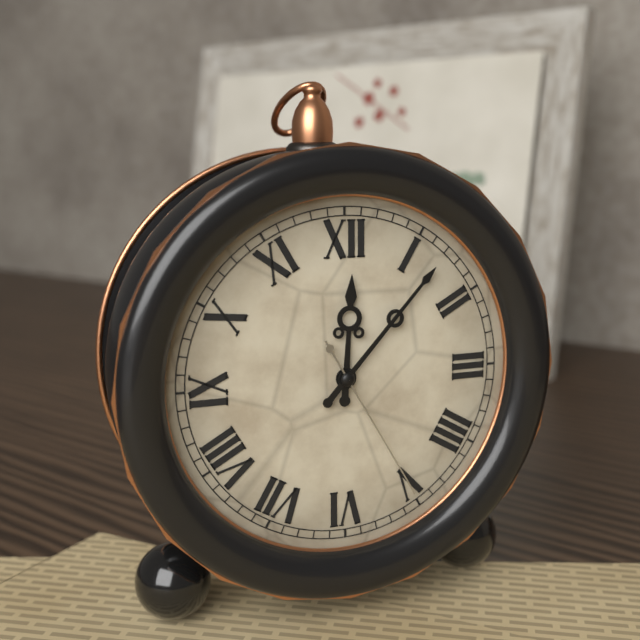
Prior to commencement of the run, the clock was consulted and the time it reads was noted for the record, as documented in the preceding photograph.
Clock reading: 12:07:25
